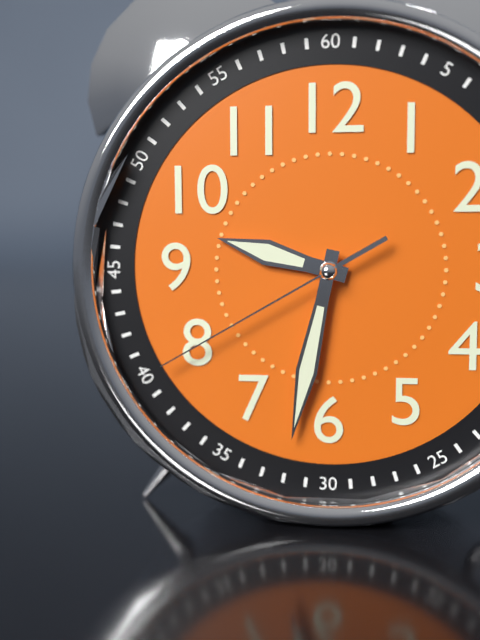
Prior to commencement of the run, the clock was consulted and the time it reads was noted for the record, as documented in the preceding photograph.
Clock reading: 9:32:40
